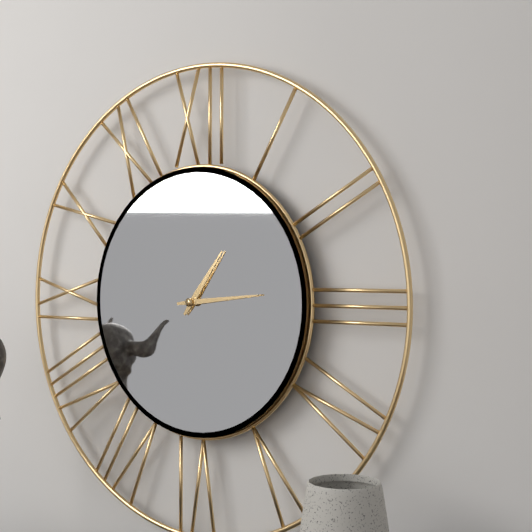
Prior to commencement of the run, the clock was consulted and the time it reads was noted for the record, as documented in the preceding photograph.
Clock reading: 1:14
